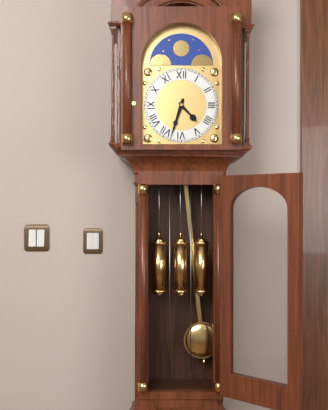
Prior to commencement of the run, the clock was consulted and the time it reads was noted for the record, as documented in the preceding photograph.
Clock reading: 4:33
